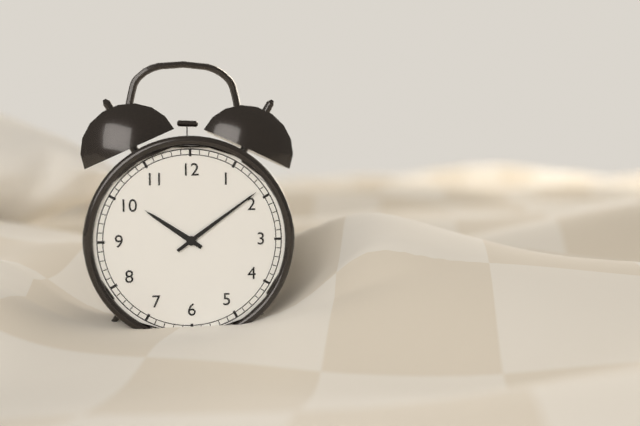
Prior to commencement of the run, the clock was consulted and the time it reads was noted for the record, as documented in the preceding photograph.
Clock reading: 10:09
